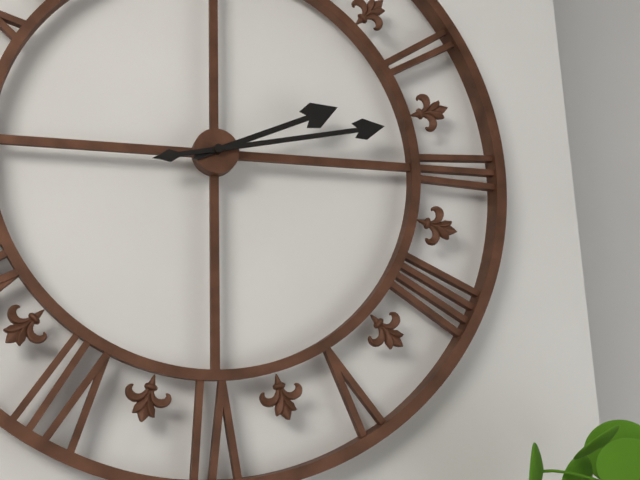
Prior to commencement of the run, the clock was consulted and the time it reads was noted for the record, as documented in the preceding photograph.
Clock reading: 2:13
